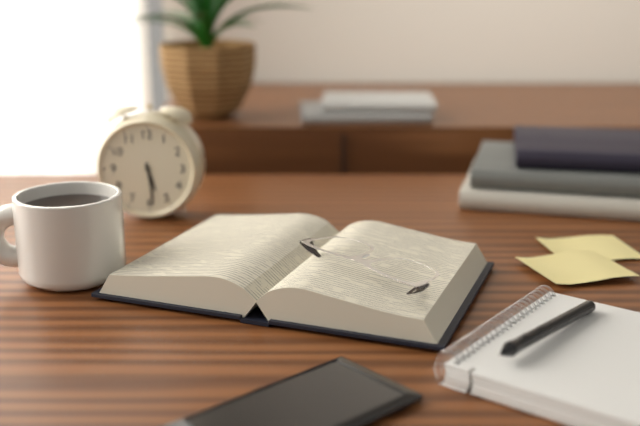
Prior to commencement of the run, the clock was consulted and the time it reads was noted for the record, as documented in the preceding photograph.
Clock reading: 5:29
